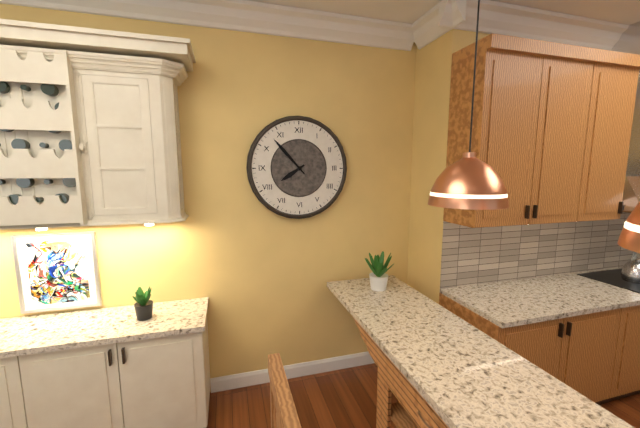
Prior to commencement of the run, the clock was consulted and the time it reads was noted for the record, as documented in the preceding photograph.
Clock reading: 7:53
